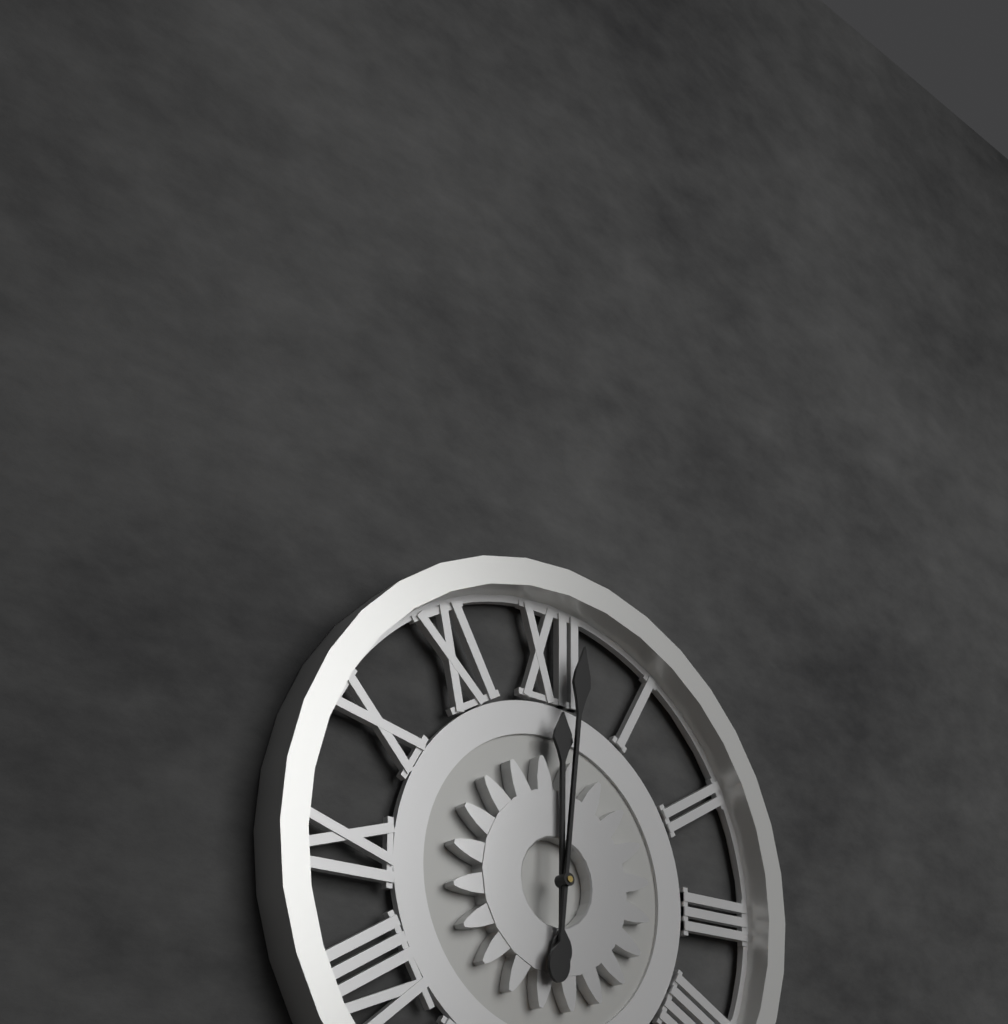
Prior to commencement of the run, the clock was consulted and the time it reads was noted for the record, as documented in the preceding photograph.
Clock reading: 12:01
